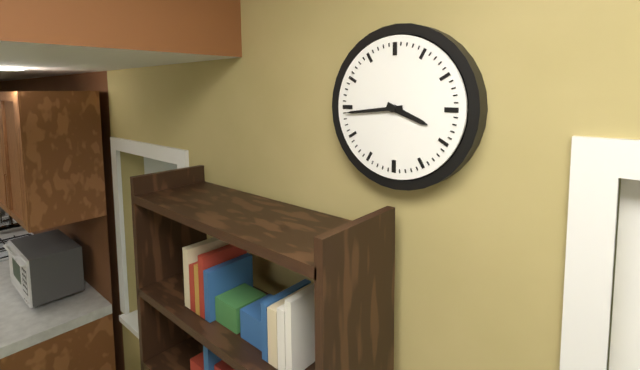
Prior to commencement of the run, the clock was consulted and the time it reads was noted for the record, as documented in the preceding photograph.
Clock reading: 3:44
